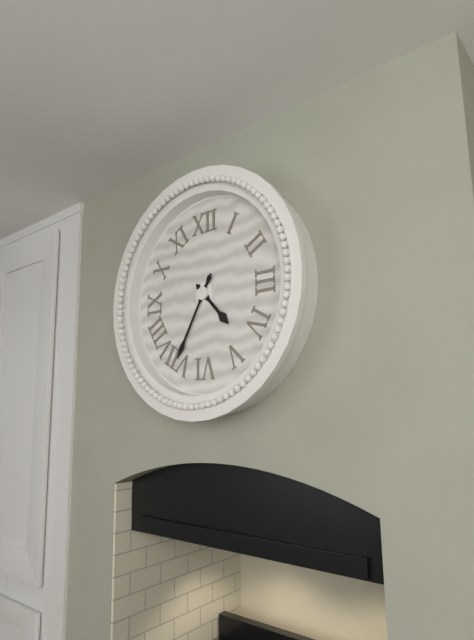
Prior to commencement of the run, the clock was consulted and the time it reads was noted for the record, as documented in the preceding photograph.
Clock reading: 4:35
